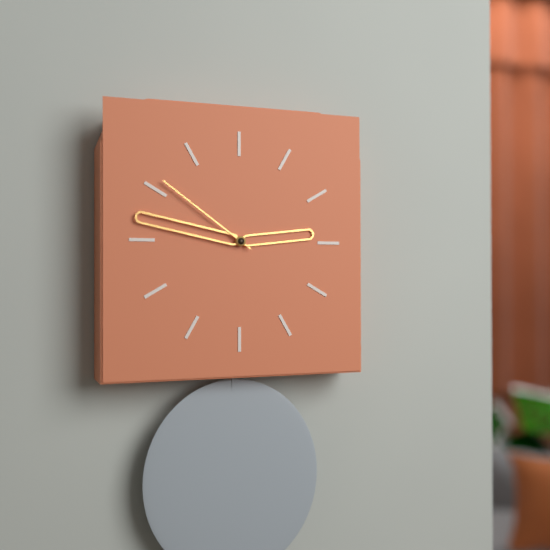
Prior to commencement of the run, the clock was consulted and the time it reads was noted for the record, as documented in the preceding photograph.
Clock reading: 2:47:51
